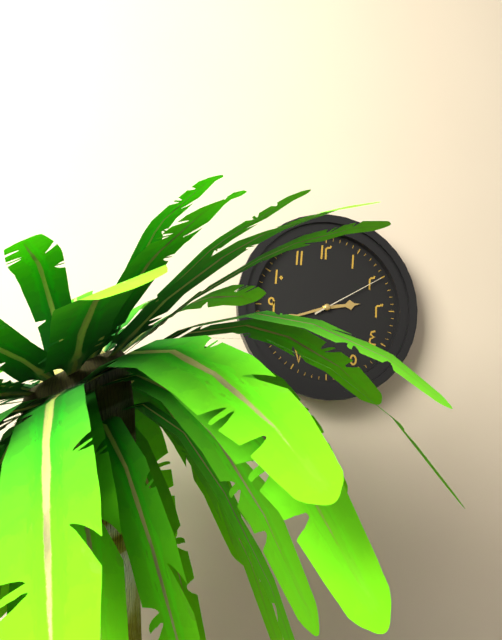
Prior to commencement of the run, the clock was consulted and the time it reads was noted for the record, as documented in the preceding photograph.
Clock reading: 2:42:10
